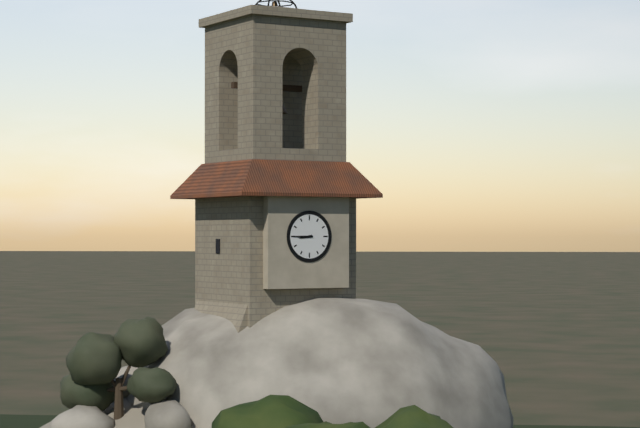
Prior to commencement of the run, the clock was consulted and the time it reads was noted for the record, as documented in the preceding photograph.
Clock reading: 8:45
